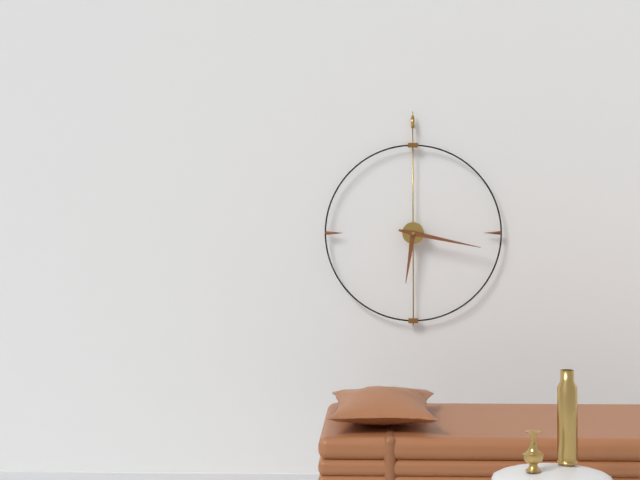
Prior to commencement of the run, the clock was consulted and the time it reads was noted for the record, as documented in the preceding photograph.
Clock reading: 6:17
